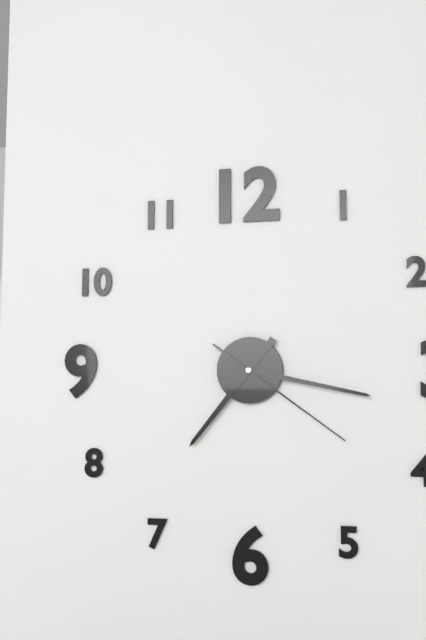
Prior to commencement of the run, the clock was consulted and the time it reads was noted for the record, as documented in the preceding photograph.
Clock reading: 7:17:21
